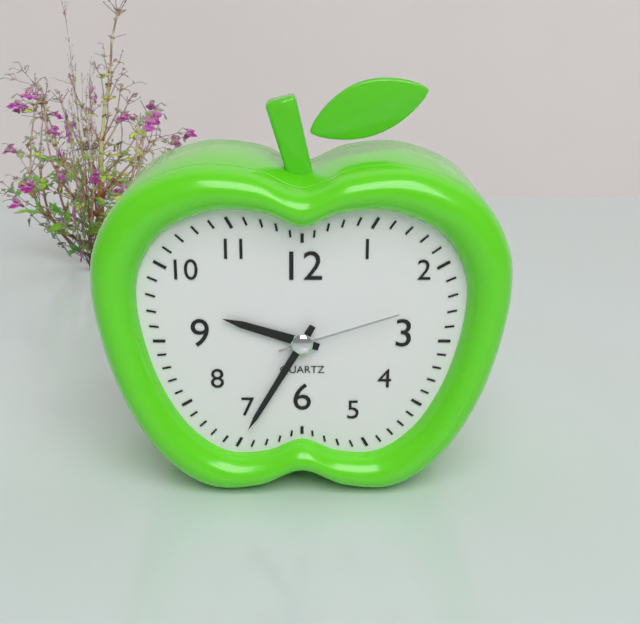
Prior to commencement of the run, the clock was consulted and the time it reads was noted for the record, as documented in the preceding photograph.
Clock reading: 9:35:12
